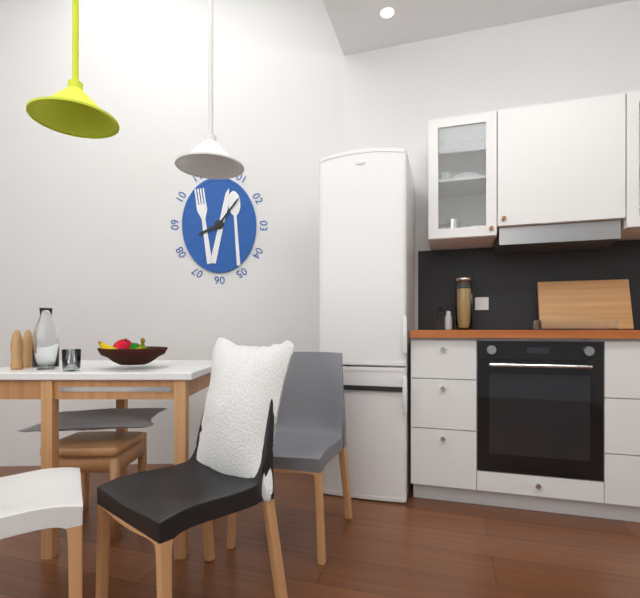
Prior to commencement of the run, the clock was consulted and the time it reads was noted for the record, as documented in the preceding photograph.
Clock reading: 8:06
